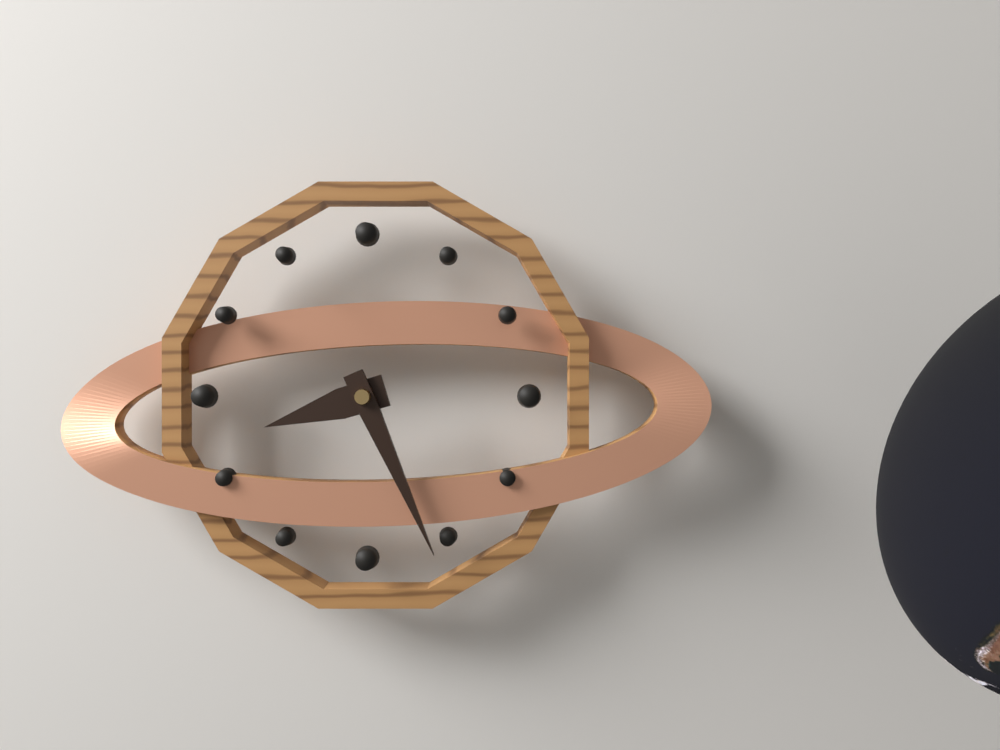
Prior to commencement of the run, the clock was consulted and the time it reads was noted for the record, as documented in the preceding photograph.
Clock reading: 8:26
